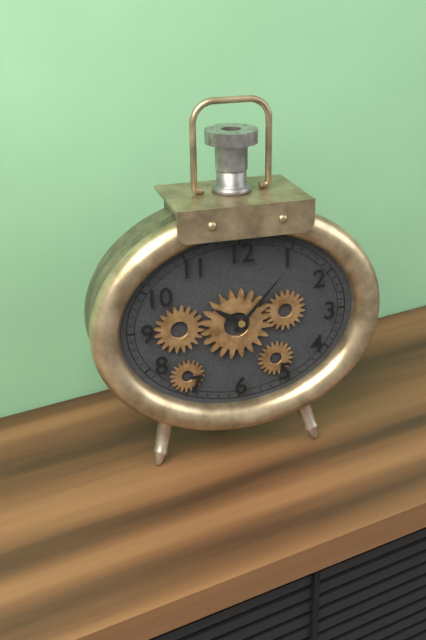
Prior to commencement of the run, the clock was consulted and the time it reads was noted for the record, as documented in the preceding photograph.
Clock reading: 10:07
